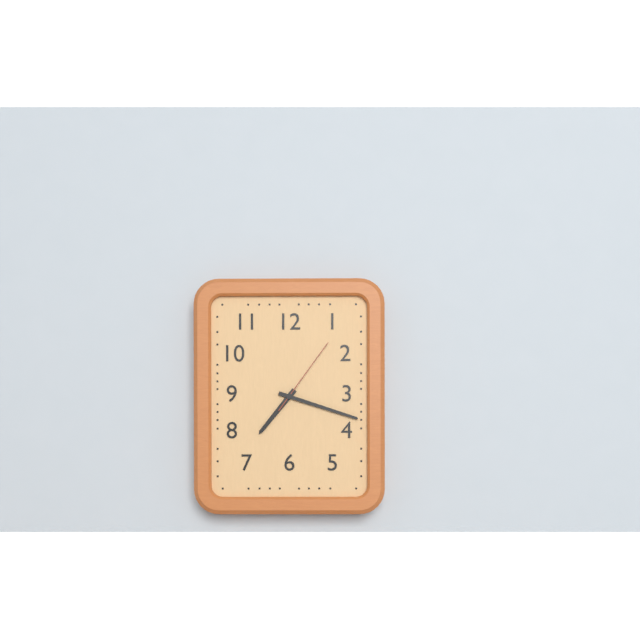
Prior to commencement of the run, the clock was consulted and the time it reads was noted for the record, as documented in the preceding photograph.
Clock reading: 7:18:06
